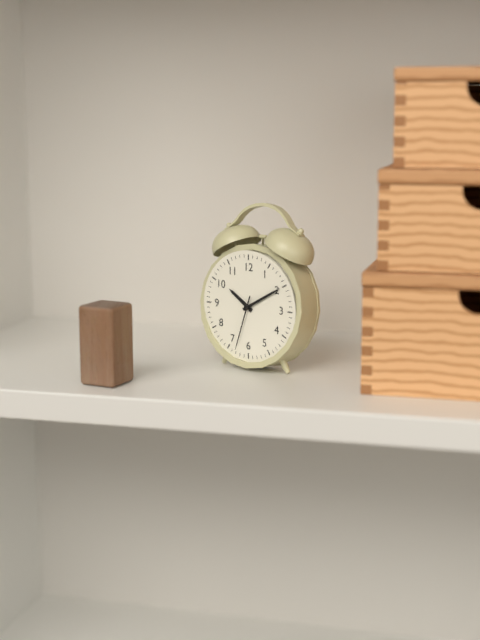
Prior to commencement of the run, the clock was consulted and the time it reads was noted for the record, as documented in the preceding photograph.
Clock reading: 10:10:33
